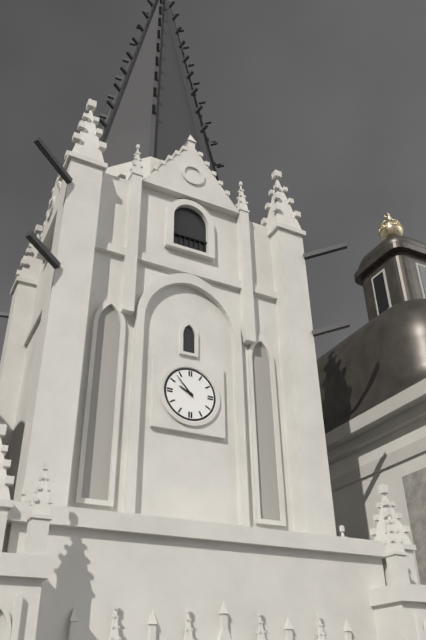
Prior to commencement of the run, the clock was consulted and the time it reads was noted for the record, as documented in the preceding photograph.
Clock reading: 9:53
